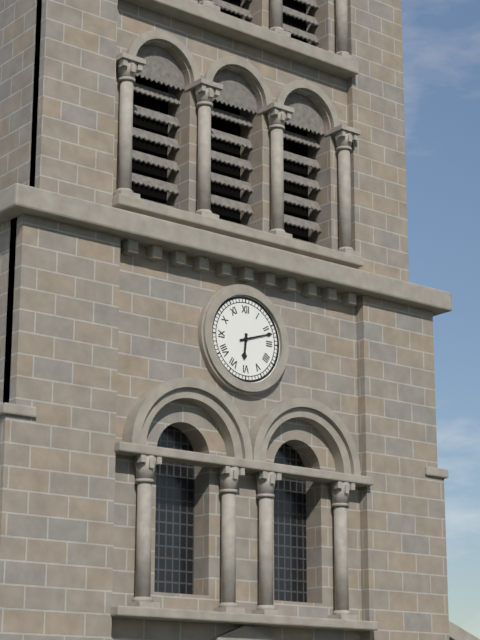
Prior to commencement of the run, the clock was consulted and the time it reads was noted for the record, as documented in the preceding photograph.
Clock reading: 6:12
